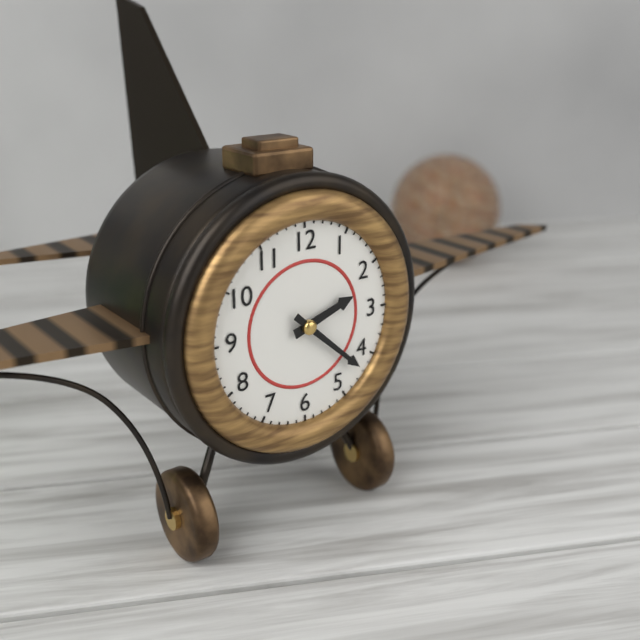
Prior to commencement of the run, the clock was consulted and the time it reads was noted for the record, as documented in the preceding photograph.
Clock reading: 2:22
